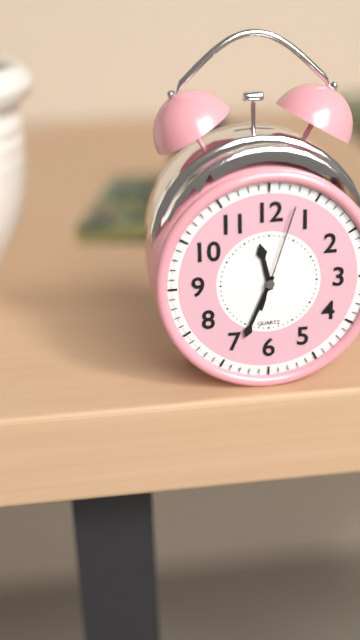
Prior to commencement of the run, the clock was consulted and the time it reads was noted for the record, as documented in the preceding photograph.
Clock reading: 11:34:03
